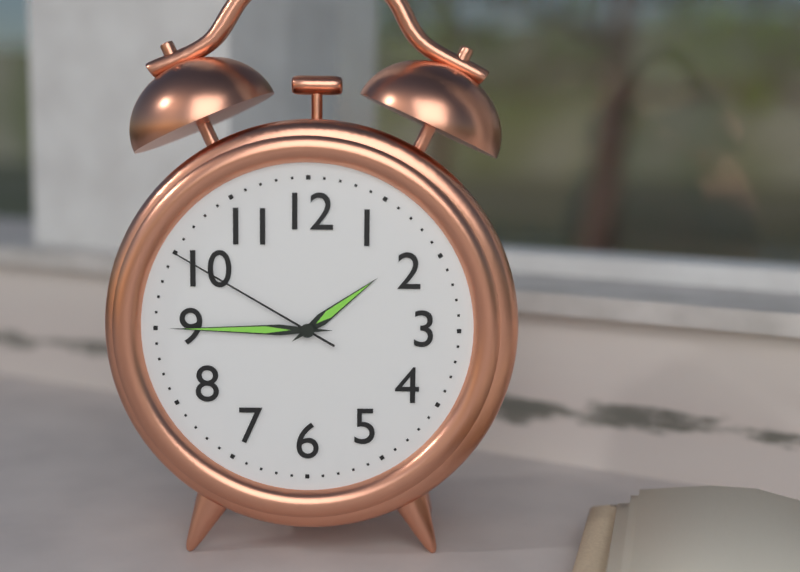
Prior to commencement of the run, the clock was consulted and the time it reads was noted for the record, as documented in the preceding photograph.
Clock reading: 1:45:50
